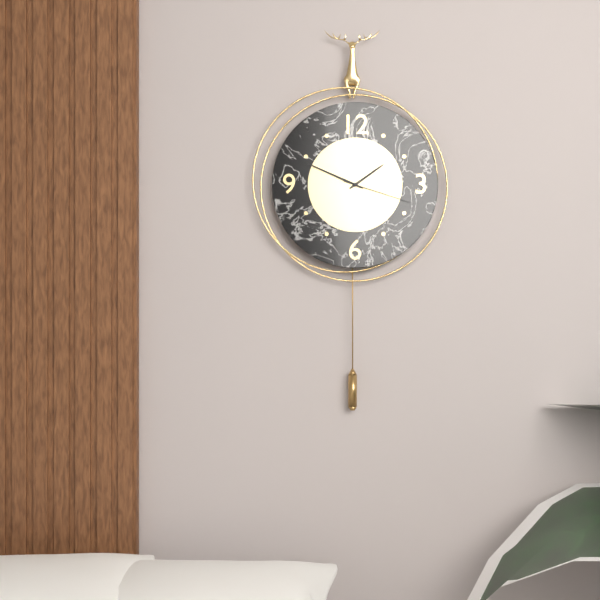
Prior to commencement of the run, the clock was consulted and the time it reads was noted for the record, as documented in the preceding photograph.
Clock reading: 1:49:18
